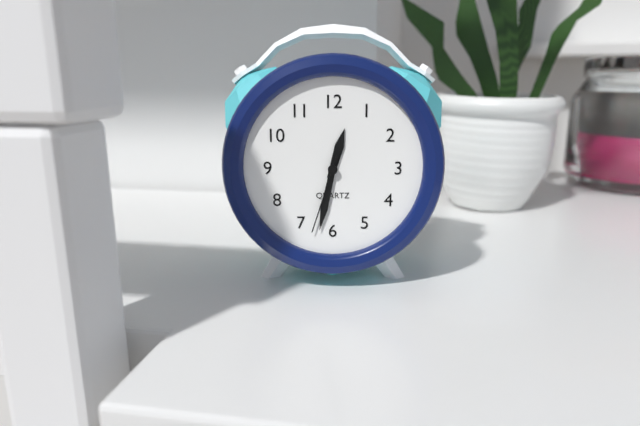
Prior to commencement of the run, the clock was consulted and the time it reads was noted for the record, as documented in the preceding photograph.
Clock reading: 12:32:33
